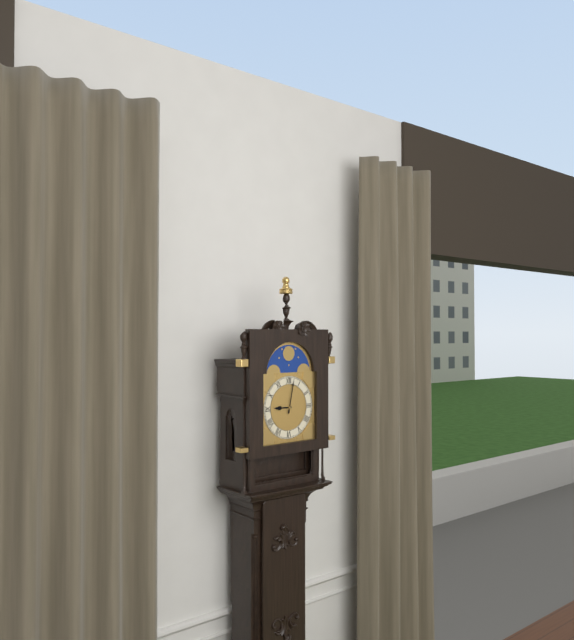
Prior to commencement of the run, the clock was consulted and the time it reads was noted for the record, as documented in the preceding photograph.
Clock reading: 9:02
